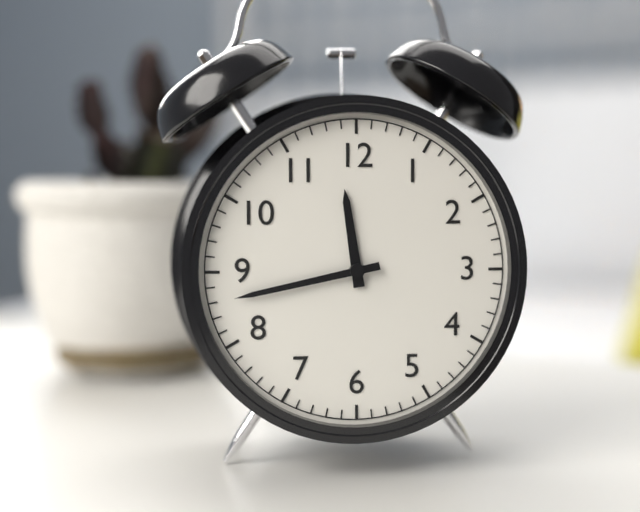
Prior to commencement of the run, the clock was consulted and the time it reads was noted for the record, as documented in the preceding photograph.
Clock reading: 11:43
